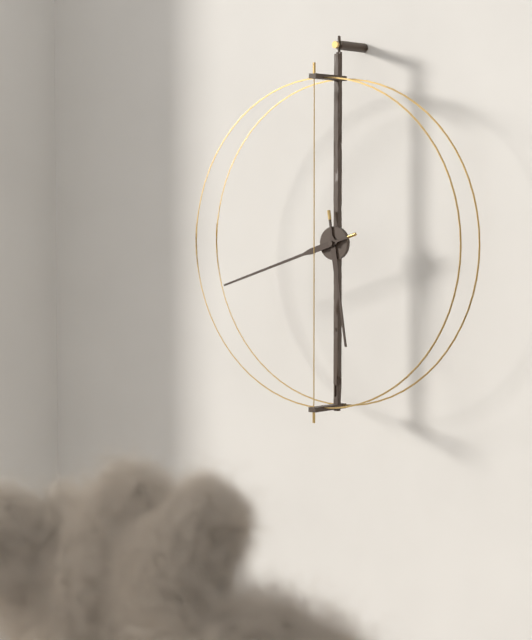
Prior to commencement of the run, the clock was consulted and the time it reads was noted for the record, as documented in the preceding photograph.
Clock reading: 5:42
